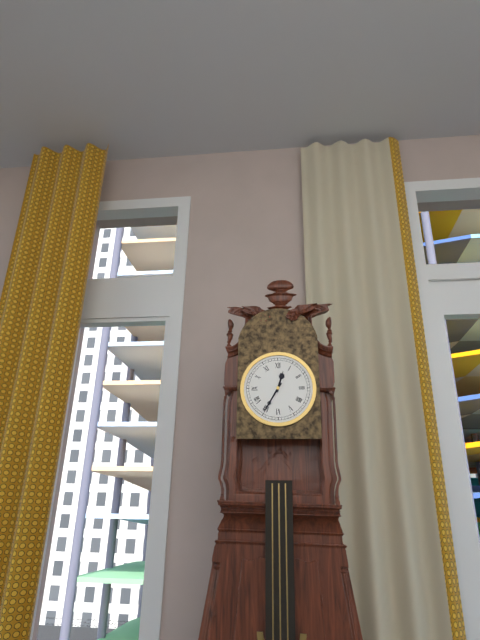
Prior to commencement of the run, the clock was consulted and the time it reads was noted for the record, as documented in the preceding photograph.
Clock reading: 12:35
